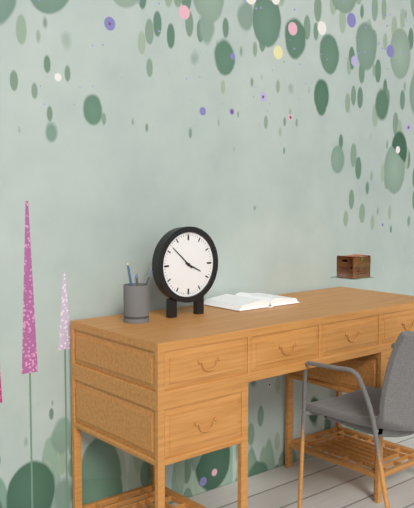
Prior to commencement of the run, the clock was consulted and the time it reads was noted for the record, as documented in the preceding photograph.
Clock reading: 3:52
